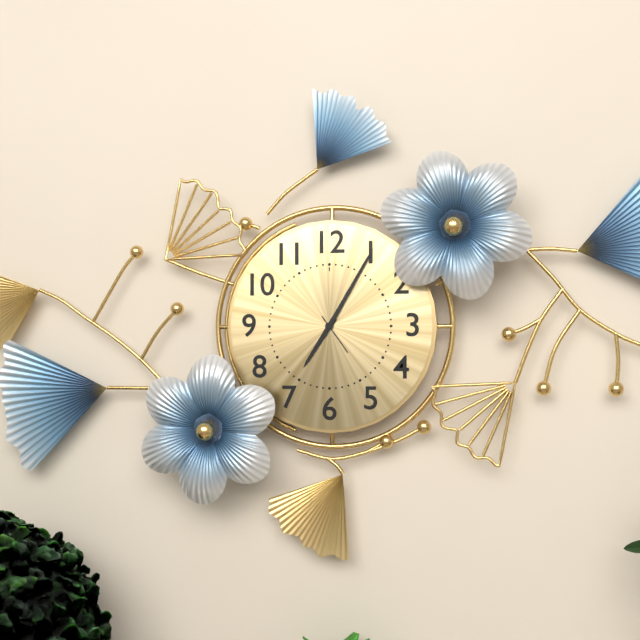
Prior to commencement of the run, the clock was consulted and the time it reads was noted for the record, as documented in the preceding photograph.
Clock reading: 7:05
